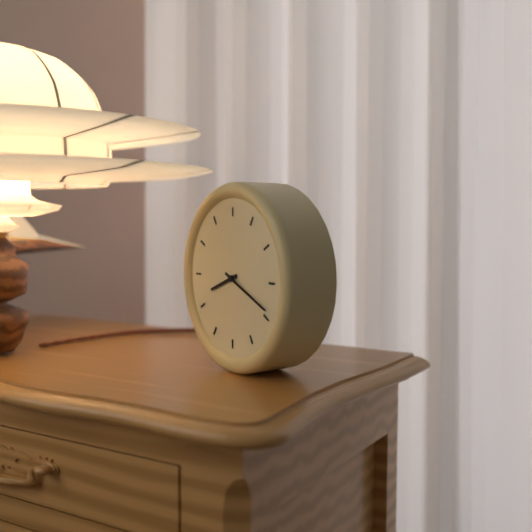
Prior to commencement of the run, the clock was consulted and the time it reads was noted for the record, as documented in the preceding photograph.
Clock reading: 8:19
